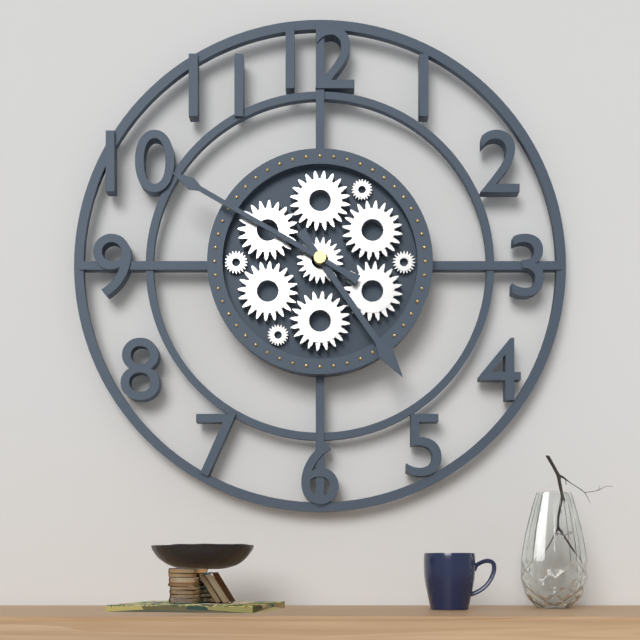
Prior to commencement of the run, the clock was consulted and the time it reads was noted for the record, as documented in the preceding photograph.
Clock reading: 4:50
